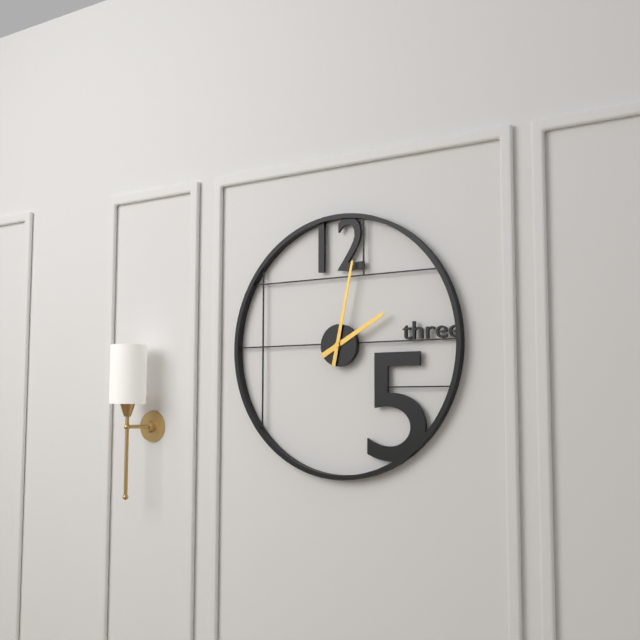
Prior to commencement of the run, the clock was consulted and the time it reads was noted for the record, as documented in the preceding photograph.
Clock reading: 2:02
